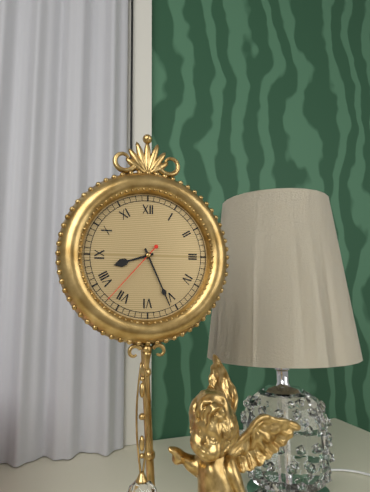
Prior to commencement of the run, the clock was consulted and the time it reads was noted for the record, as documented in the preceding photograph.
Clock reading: 8:26:37
